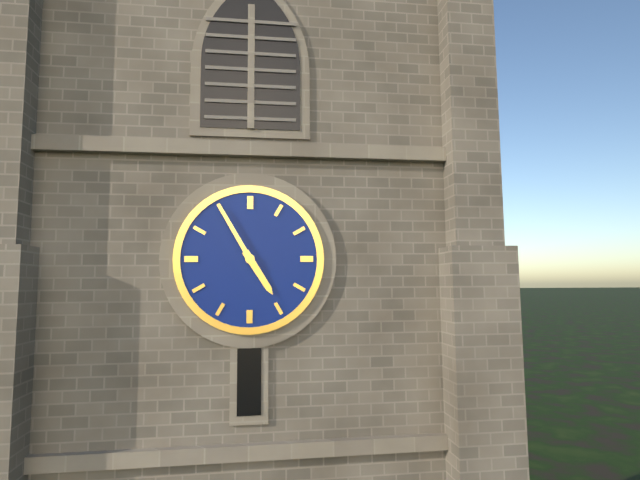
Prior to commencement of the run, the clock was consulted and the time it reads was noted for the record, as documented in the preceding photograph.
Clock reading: 4:55
